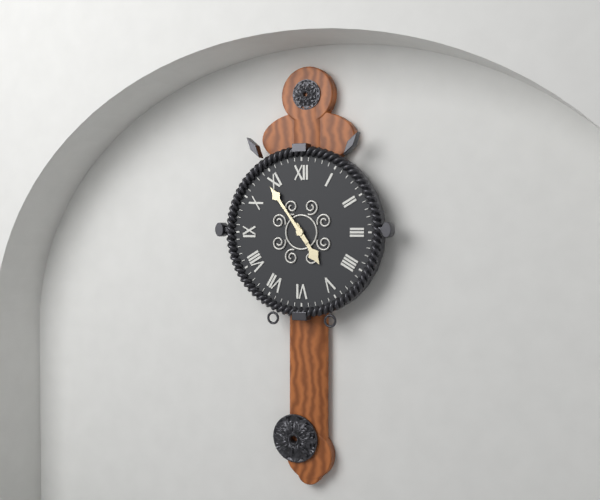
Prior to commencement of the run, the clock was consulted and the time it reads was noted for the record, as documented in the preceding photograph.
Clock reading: 4:54
